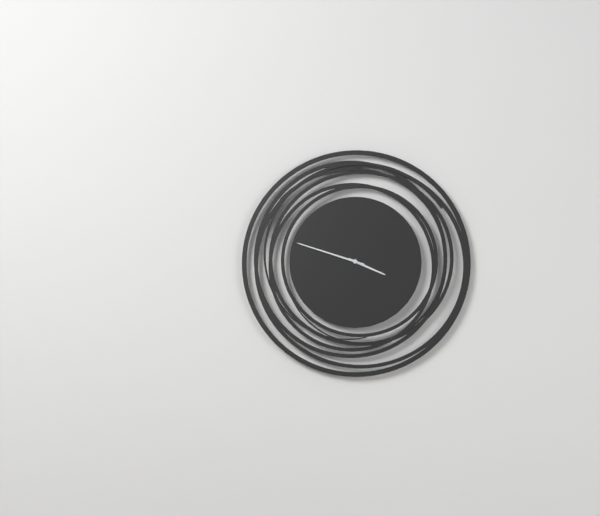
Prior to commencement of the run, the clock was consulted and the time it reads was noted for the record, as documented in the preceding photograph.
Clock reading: 3:48
